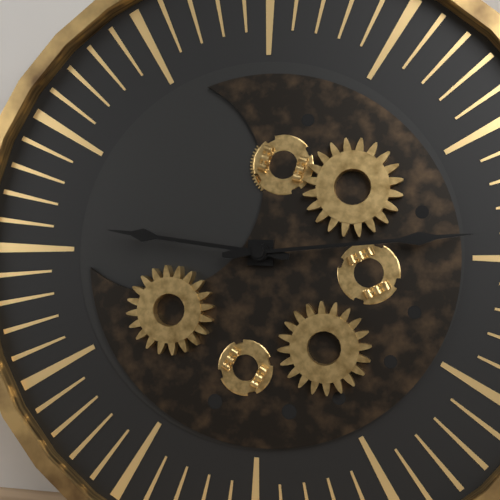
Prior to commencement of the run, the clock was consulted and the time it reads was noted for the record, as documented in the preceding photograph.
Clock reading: 9:14
